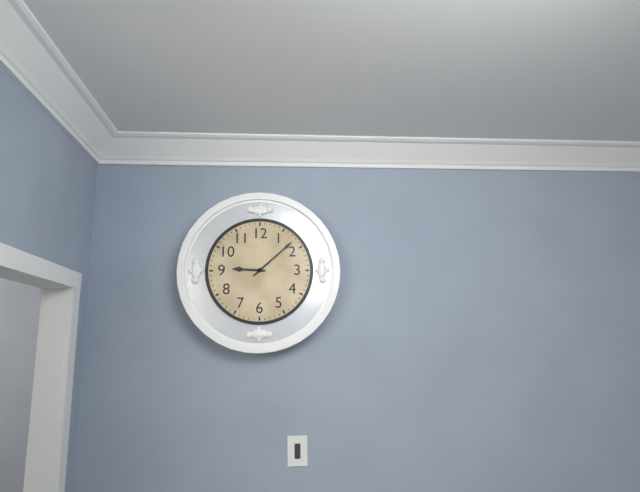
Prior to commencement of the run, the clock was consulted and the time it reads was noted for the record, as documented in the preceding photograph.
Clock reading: 9:08
